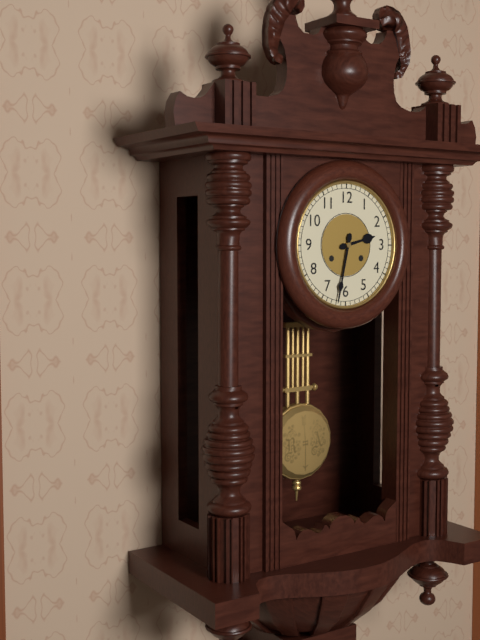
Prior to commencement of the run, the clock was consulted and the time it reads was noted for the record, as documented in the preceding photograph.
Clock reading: 2:32
